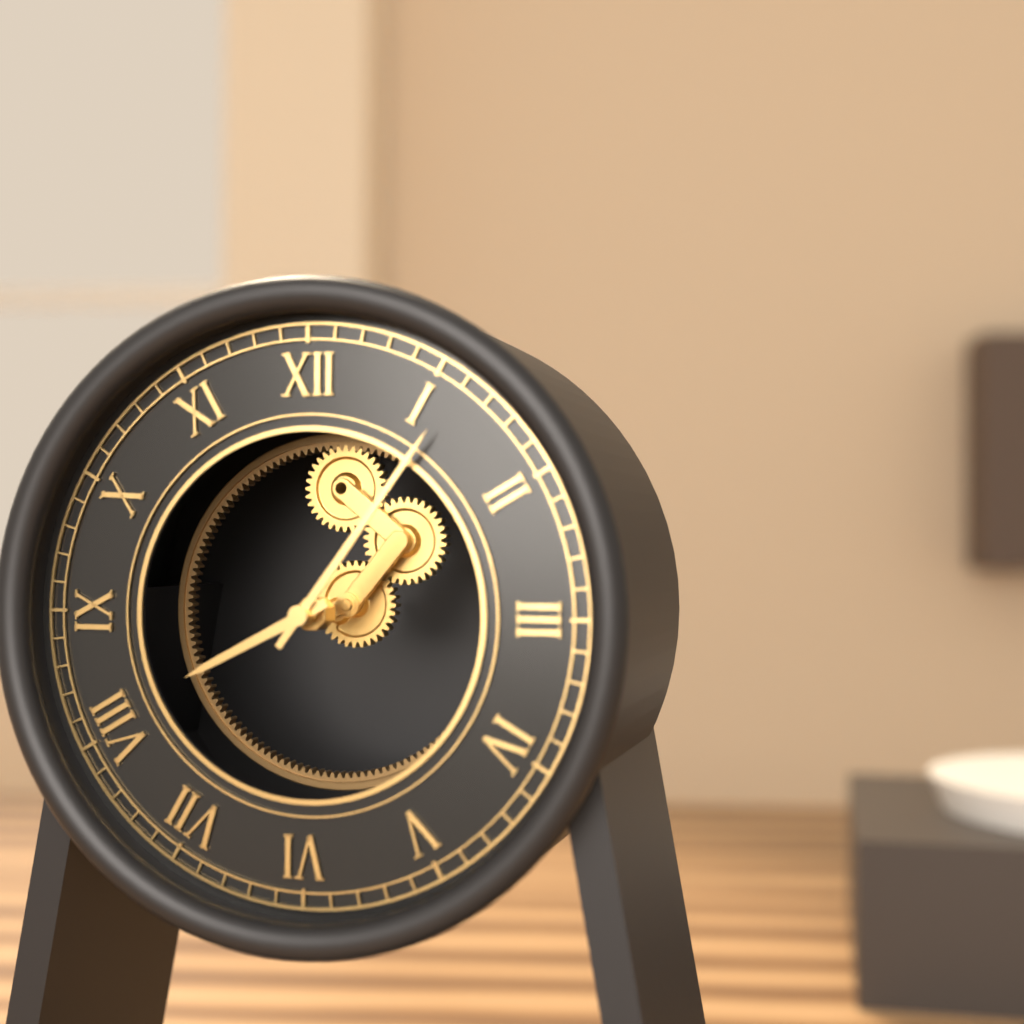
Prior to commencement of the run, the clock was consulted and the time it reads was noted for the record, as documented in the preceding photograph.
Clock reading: 8:06
